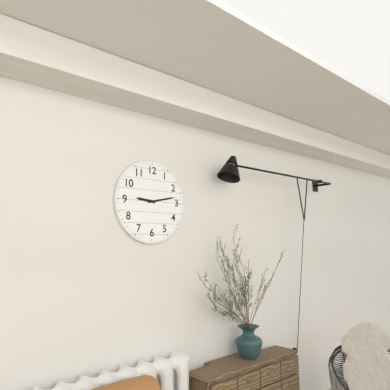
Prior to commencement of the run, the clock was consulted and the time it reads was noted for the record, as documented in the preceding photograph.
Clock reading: 9:13
